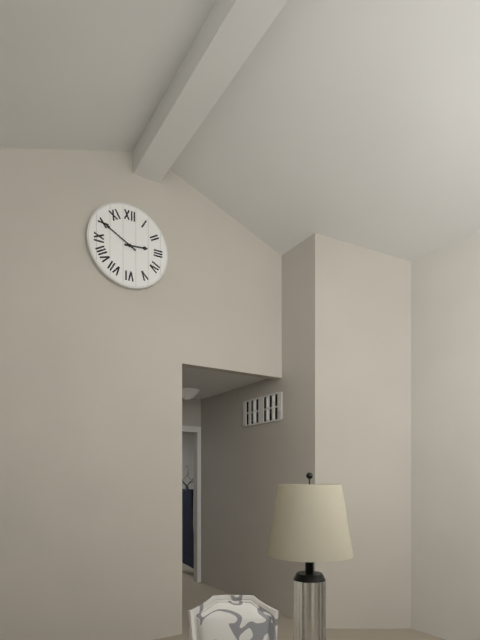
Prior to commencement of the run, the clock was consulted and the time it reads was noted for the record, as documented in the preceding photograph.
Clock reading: 2:50
